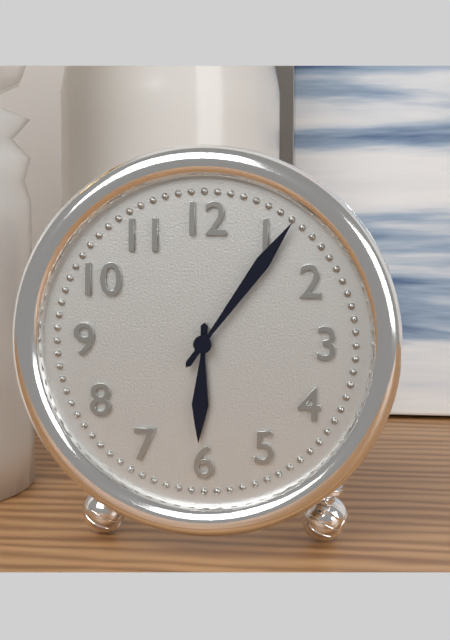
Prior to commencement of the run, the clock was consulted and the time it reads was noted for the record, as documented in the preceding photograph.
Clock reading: 6:06
